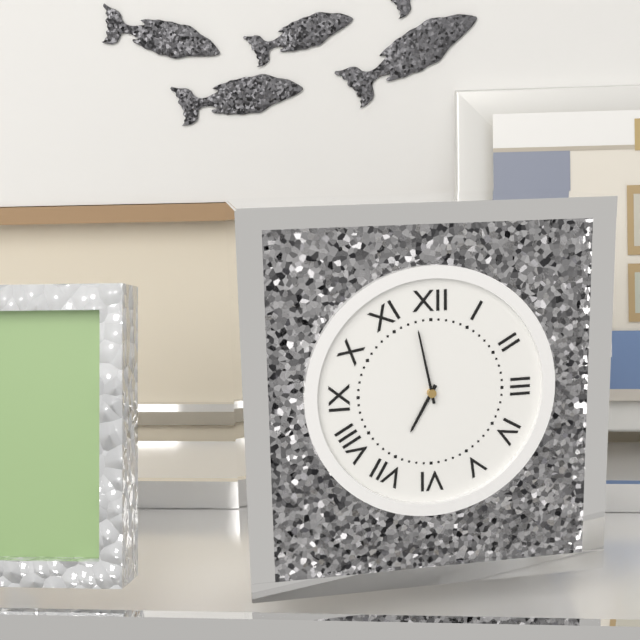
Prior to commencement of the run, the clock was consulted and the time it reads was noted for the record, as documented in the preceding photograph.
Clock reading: 6:58
